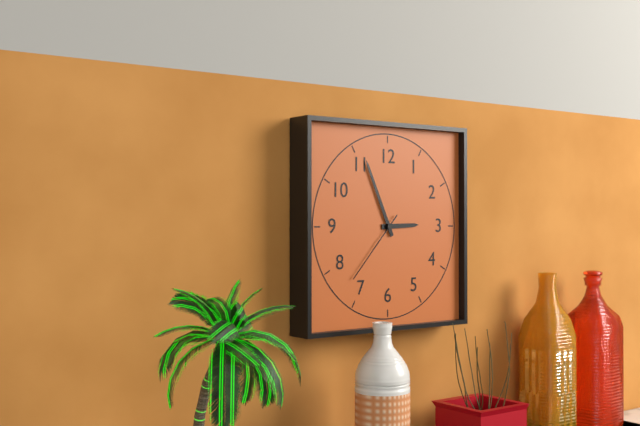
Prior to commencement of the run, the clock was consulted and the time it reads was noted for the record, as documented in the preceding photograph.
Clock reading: 2:56:37
